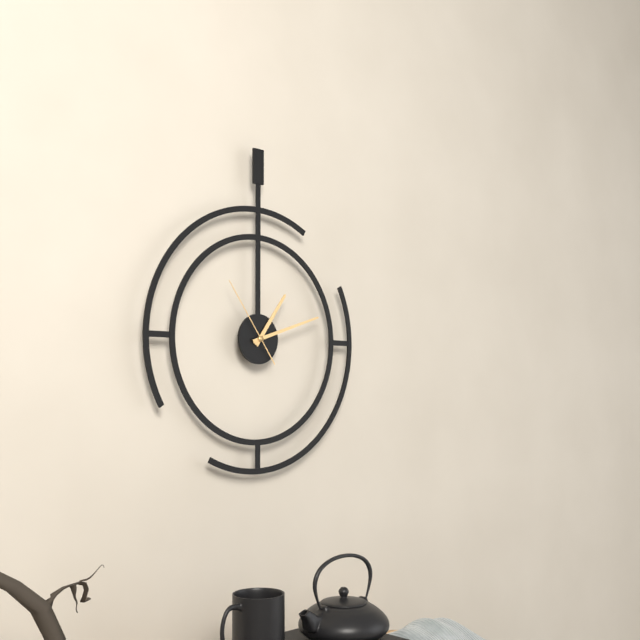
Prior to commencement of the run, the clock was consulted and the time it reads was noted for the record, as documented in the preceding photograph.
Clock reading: 1:12:54
